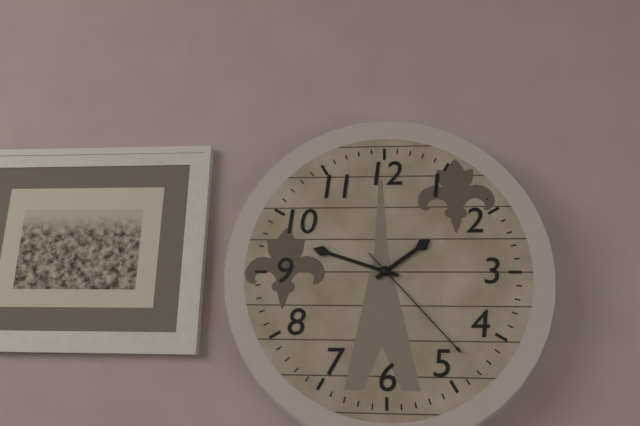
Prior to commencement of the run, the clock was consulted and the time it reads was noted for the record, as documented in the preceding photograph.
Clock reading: 1:48:23
